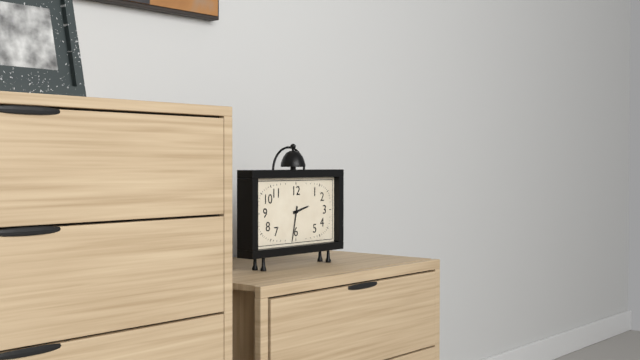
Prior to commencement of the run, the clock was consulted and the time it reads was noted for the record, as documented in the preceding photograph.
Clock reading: 2:32
